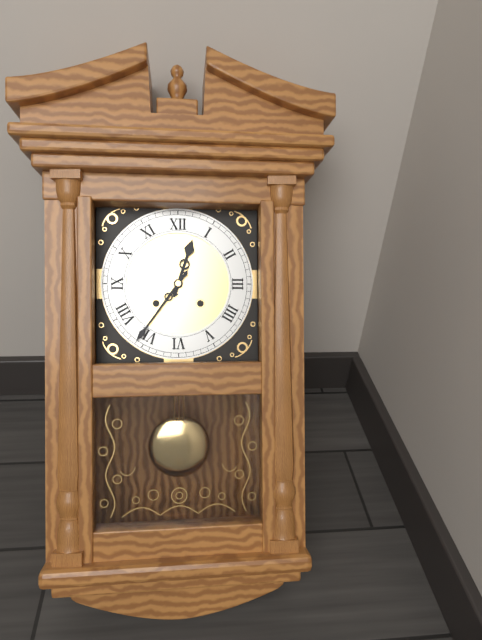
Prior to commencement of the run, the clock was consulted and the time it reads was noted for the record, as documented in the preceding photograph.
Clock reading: 12:36
